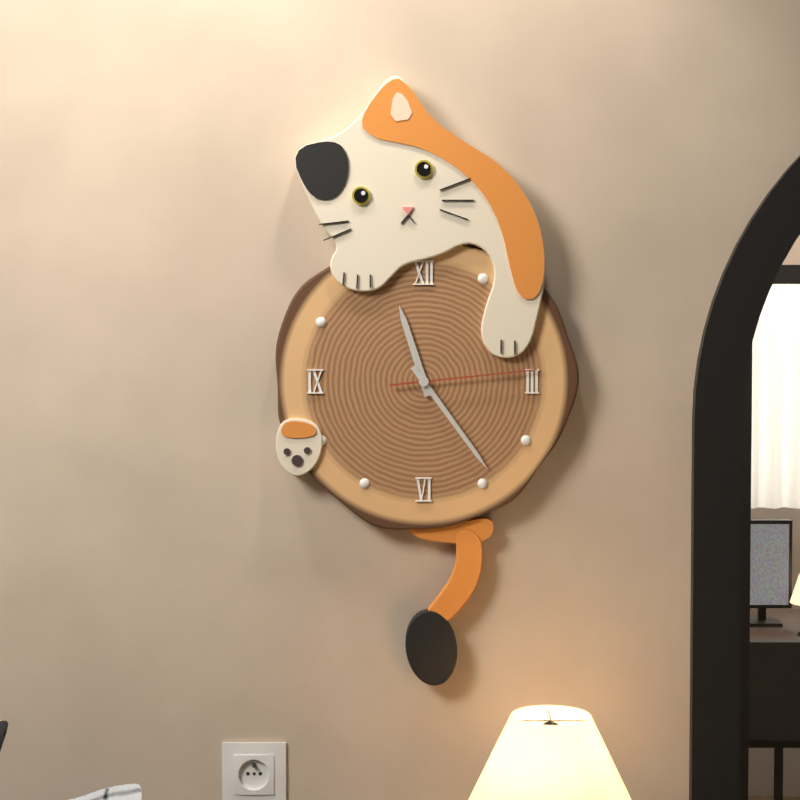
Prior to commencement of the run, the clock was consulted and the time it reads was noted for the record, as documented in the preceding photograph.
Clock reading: 11:24:14
